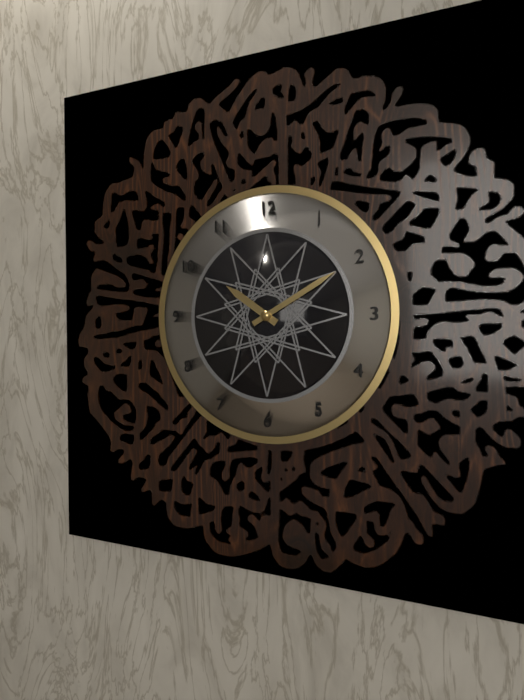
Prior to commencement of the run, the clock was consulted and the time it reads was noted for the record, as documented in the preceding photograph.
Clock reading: 10:10
